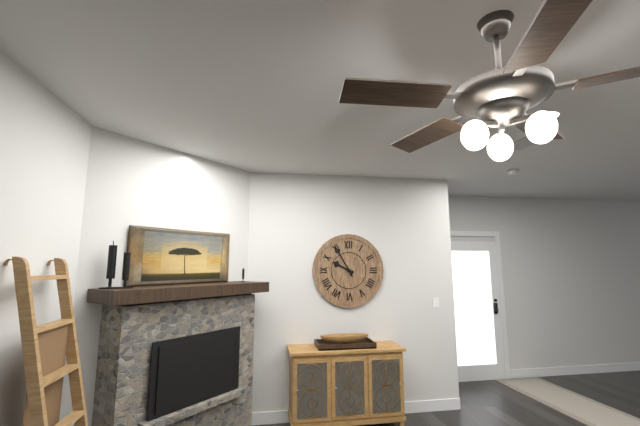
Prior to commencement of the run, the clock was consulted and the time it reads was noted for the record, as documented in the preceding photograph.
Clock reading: 9:55
